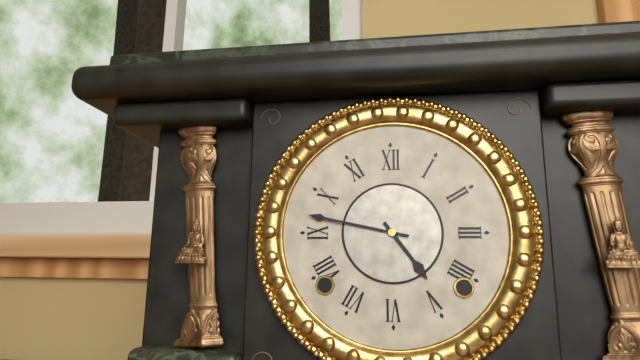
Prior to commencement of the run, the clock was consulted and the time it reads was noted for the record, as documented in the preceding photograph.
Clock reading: 4:47
